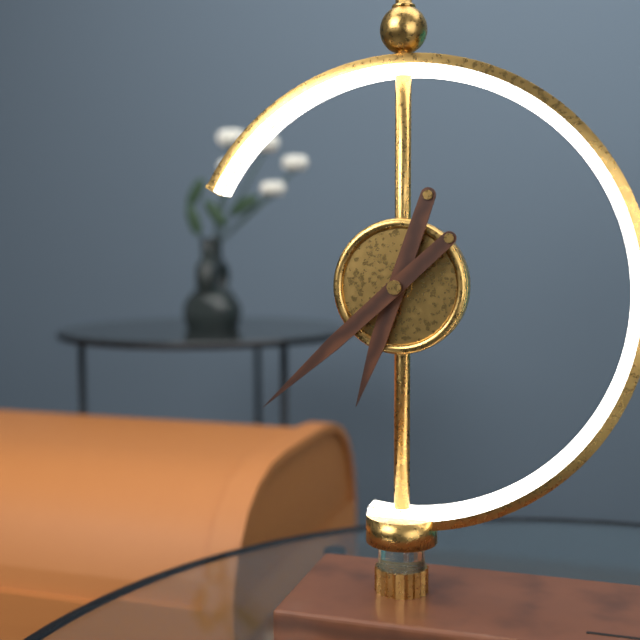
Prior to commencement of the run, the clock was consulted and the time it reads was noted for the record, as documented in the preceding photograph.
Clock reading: 6:38
